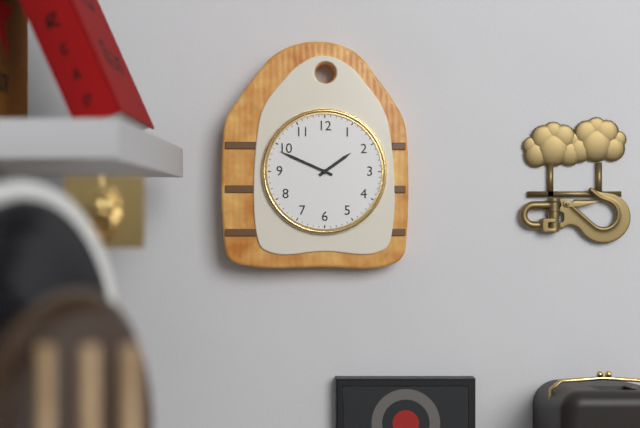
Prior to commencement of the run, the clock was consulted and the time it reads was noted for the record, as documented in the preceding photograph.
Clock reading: 1:49
